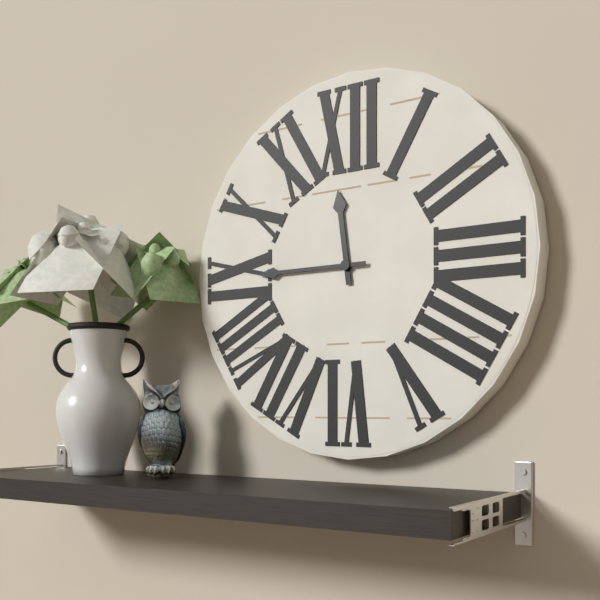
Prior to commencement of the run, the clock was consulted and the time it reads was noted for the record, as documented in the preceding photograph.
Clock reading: 11:45
